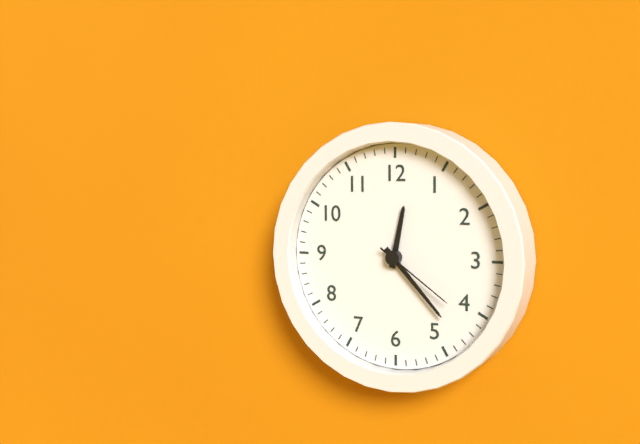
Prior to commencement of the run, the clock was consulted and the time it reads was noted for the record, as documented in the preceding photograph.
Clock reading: 12:23:21
